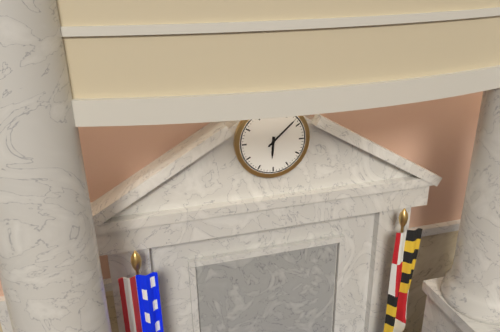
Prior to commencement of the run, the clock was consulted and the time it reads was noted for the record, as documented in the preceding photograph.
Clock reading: 6:08
